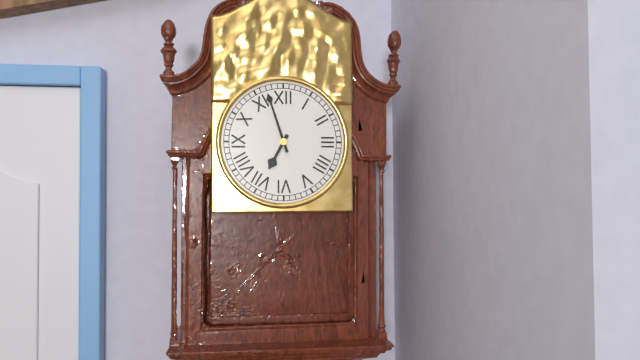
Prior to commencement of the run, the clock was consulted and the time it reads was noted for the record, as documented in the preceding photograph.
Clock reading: 6:57
